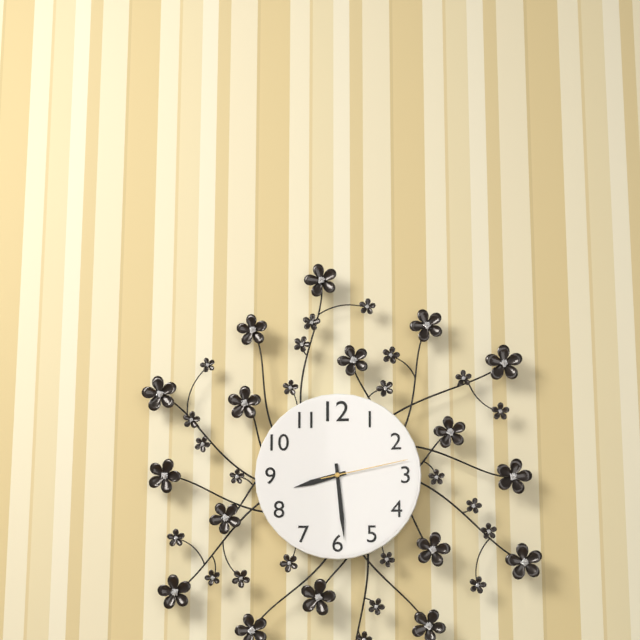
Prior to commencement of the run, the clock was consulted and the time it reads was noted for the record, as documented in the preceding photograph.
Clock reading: 8:29:13
